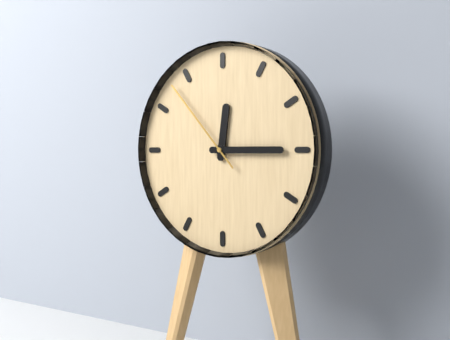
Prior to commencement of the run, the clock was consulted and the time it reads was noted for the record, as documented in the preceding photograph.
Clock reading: 12:15:53
